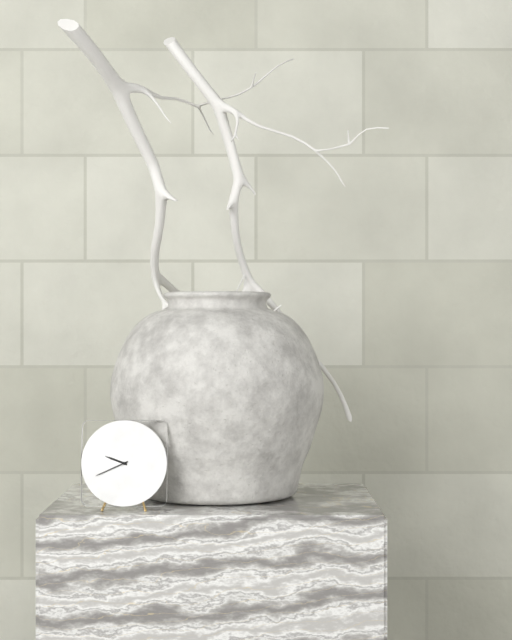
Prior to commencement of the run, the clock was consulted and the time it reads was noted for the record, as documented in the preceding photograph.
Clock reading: 9:41
